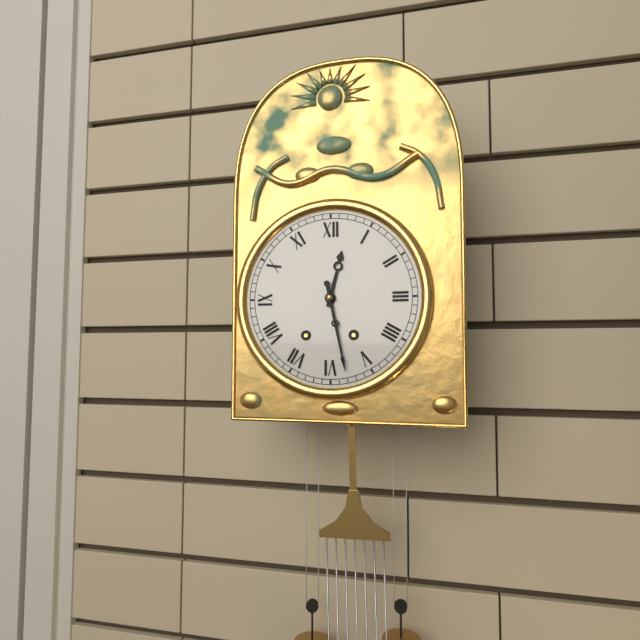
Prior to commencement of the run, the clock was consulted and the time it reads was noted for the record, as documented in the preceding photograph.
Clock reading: 12:28
